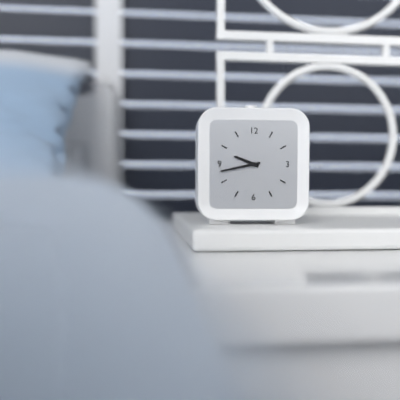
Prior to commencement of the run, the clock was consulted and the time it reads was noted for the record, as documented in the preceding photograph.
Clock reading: 9:43
